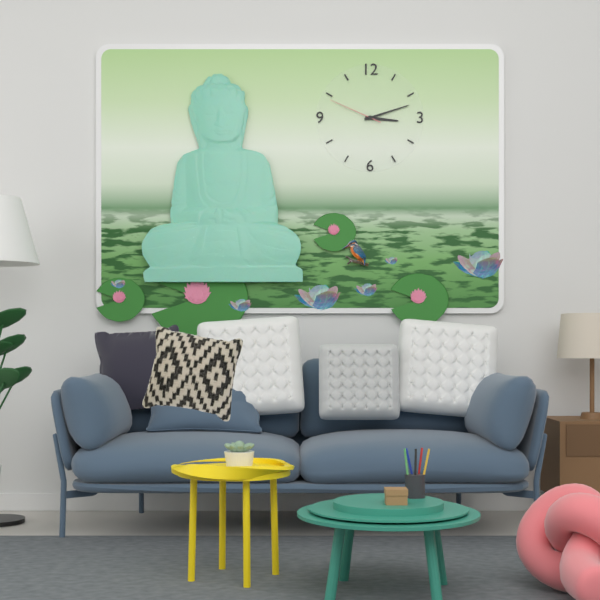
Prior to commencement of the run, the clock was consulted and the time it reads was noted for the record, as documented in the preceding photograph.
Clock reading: 3:12:49
